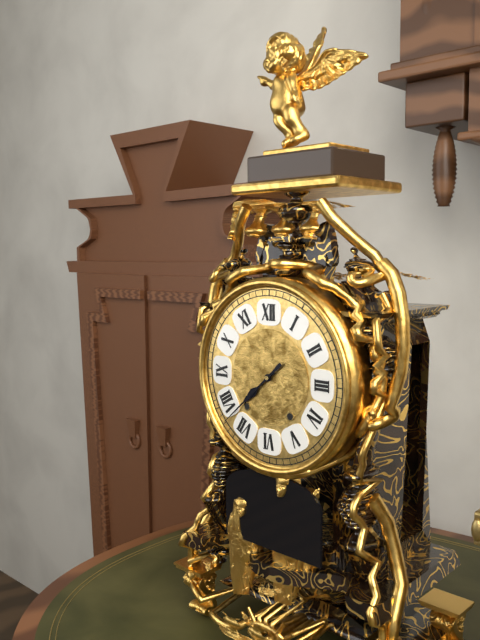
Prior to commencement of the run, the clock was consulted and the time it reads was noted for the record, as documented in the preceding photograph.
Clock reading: 7:38
